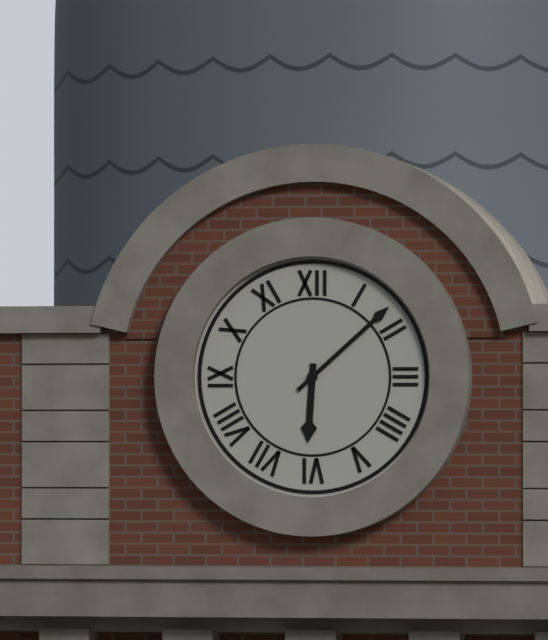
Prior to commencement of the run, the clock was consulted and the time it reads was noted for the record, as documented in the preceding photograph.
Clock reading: 6:08
